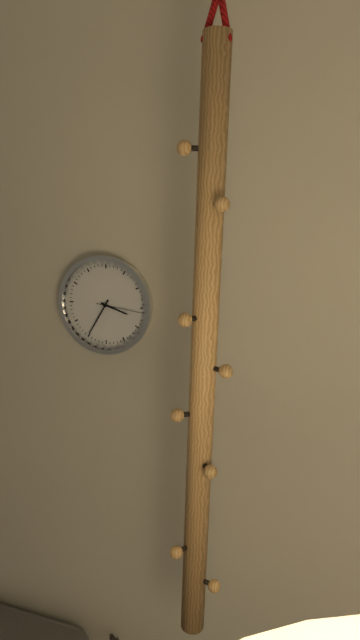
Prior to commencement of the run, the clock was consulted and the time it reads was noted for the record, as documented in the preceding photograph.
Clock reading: 3:35
